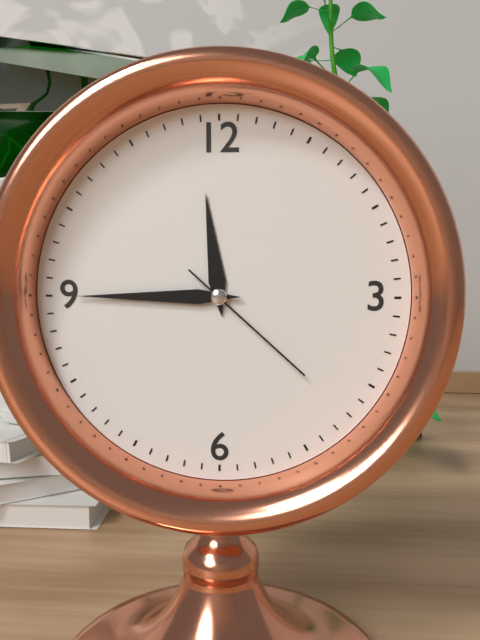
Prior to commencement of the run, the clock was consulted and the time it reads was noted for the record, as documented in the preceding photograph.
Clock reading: 11:45:22
